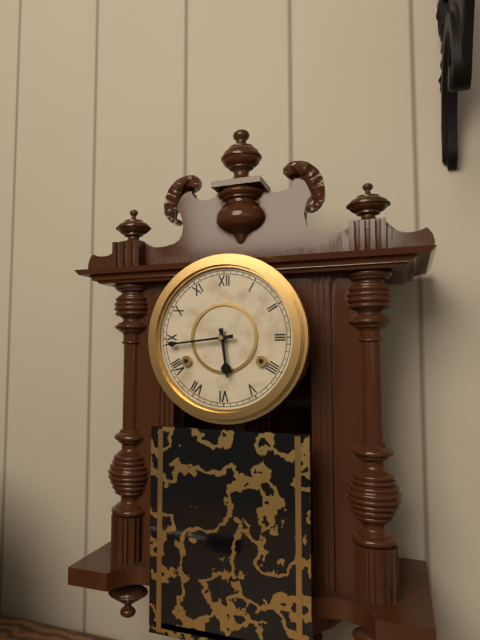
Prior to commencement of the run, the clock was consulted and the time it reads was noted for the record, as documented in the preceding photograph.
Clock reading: 5:44
